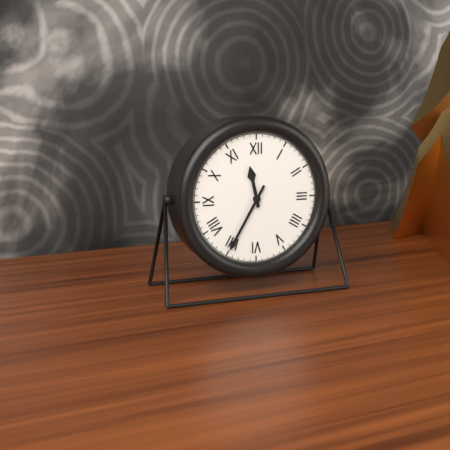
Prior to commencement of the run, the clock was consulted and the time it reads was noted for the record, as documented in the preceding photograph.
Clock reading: 11:35
